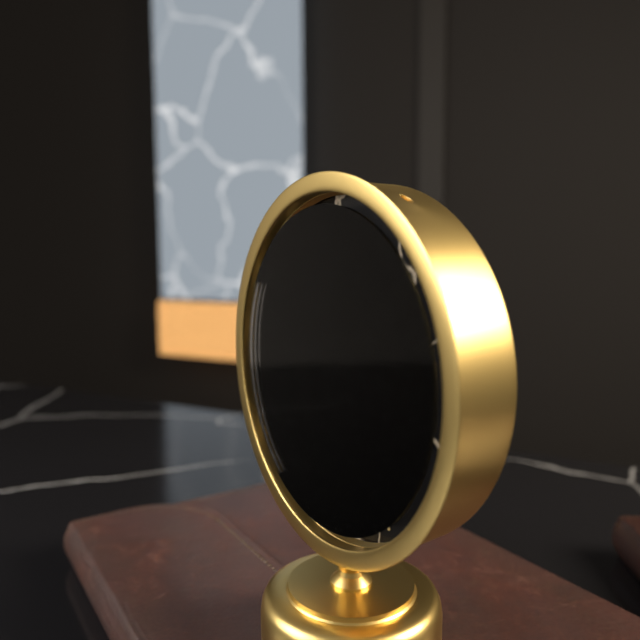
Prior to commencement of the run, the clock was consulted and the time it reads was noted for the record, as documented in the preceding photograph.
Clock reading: 8:27:16
